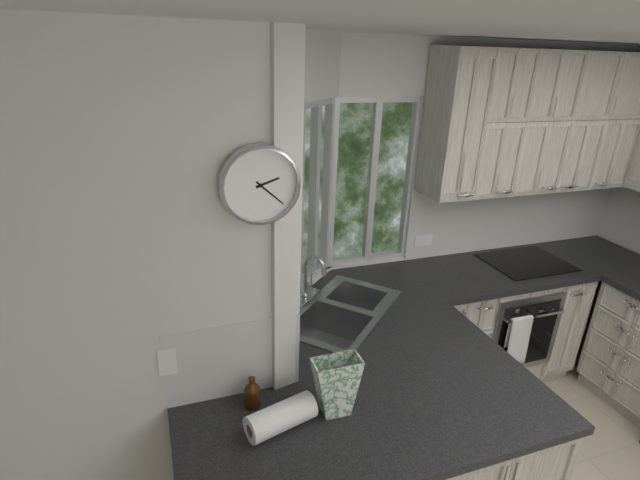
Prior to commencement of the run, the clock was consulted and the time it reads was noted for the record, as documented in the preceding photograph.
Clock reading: 2:22
